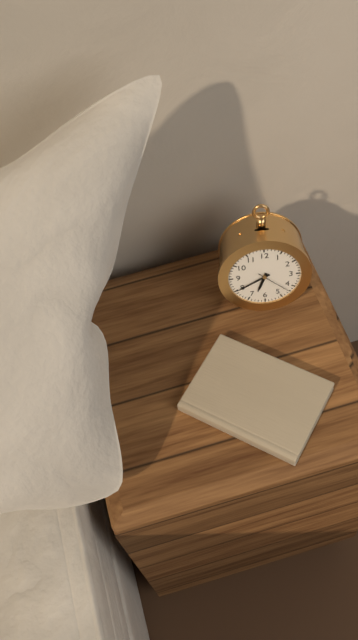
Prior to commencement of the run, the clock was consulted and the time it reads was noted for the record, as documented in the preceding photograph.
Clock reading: 6:40
